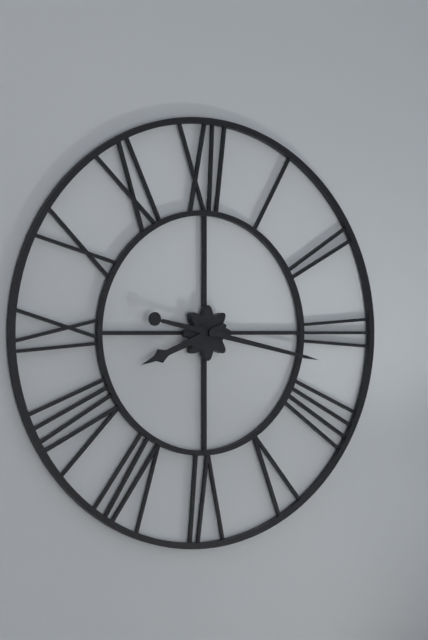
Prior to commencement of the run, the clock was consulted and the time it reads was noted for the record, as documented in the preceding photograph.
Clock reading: 8:17
